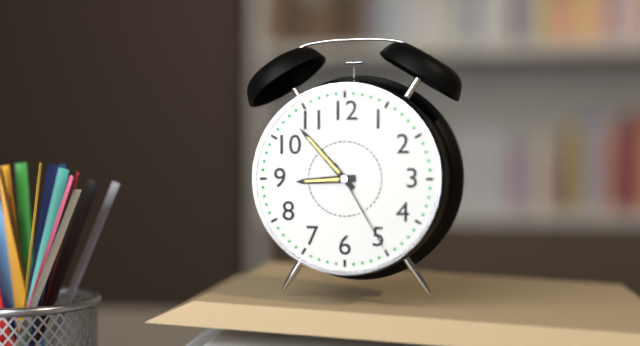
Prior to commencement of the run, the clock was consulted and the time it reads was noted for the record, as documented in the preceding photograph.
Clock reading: 8:53:25
